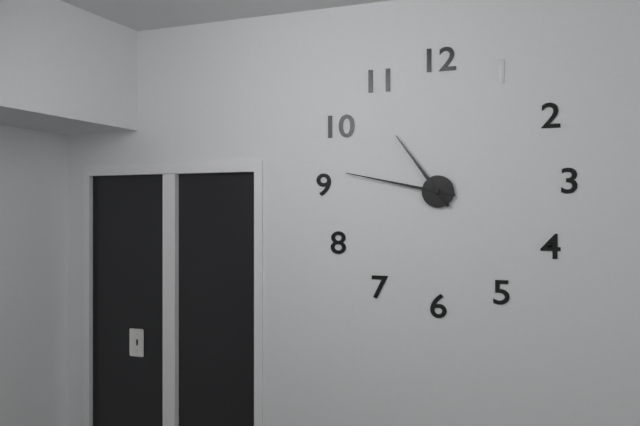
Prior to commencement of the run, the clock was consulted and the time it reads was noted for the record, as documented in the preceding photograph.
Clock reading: 10:47
